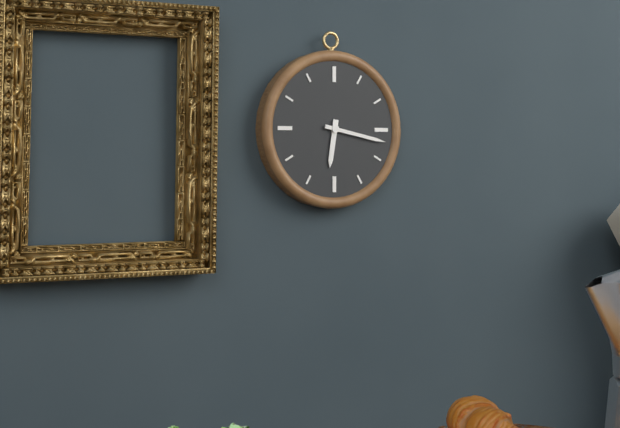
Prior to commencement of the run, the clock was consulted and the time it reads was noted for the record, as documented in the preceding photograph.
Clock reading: 6:17
